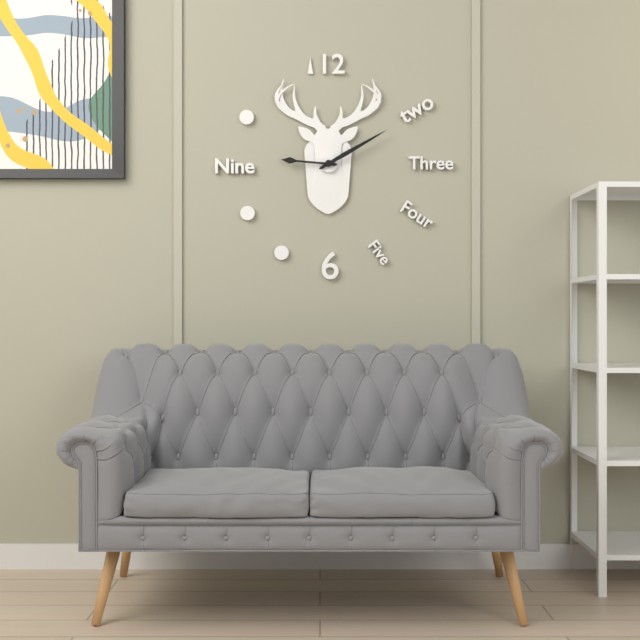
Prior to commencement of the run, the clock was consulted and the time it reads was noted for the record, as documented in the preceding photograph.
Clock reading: 9:10
